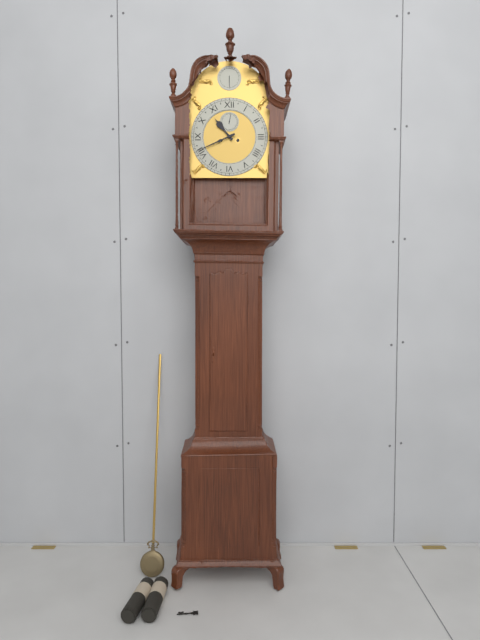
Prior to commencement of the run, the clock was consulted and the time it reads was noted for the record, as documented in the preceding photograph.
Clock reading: 10:41
